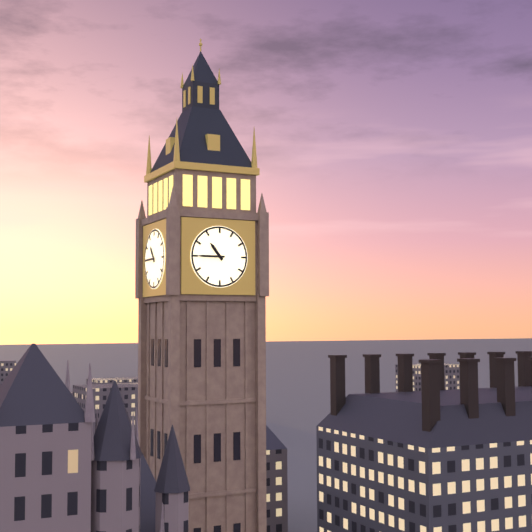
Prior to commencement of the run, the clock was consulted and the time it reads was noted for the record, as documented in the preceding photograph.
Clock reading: 10:45
